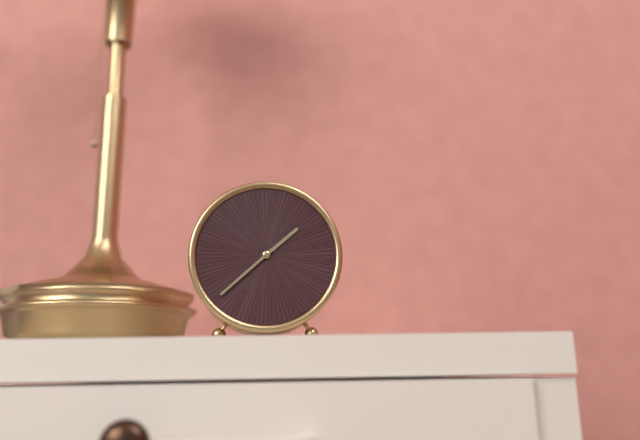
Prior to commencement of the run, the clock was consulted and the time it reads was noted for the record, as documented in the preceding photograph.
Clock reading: 1:38
